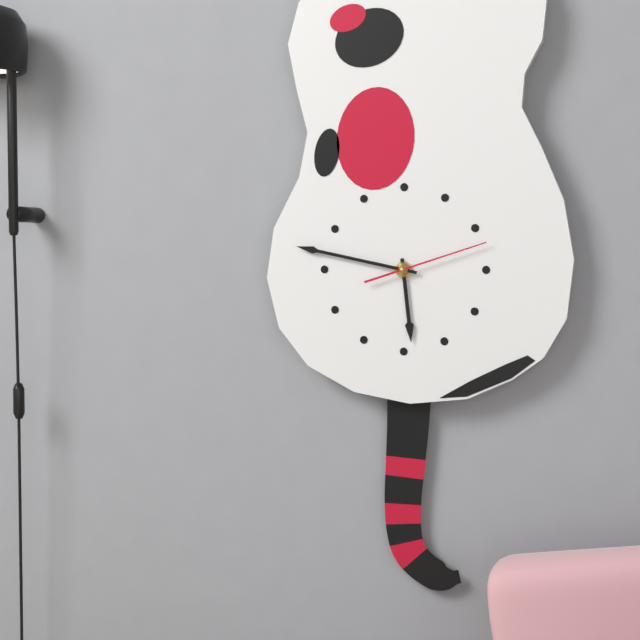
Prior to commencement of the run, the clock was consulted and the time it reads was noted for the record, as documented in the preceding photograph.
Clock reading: 5:47:12
